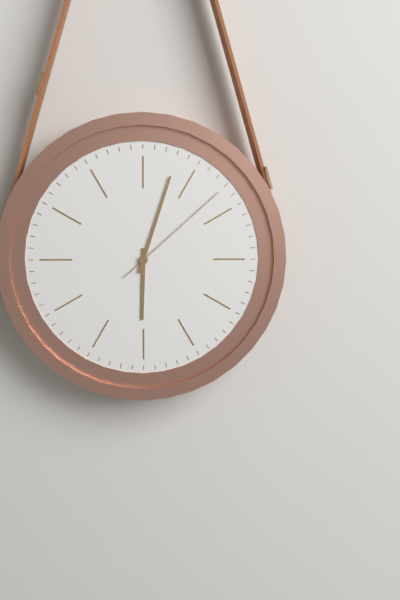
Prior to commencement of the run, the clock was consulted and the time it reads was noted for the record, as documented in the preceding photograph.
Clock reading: 6:03:08
